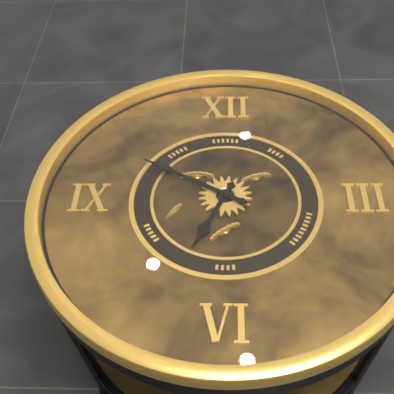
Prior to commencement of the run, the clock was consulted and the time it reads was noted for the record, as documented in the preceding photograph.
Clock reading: 6:50
